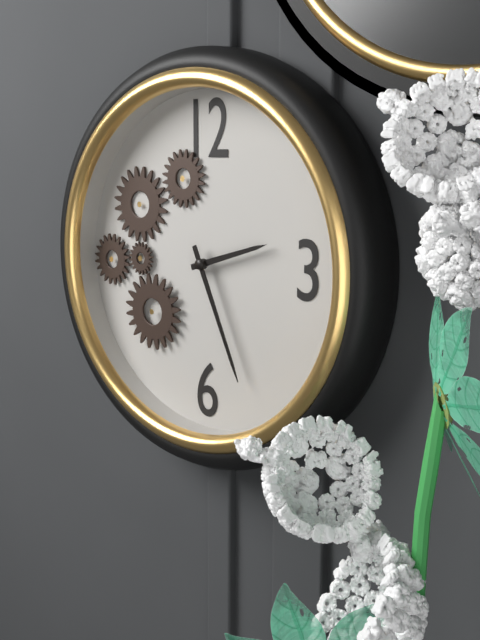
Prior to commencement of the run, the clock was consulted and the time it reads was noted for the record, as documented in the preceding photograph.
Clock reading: 2:26
